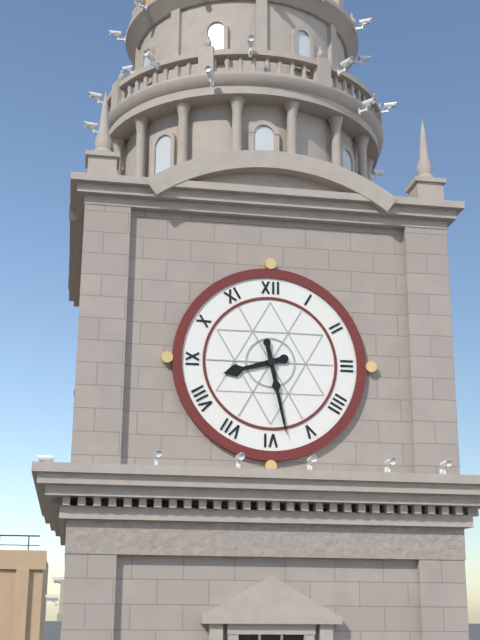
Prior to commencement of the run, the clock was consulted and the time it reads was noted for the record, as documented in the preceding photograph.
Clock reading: 8:28
